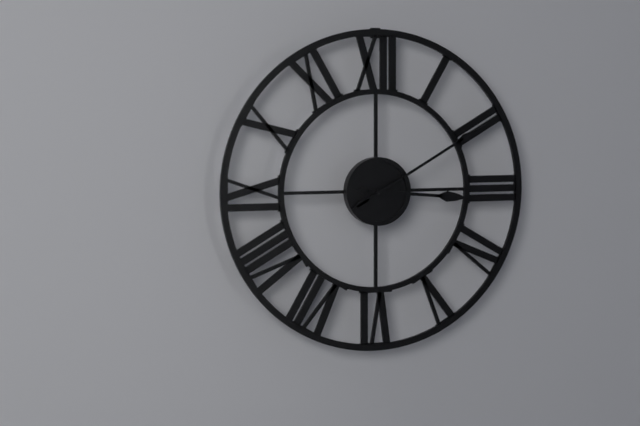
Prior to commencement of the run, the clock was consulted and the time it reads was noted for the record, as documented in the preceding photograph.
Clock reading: 3:10
